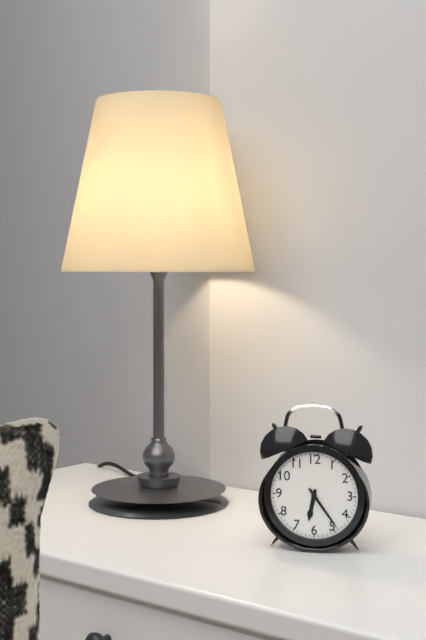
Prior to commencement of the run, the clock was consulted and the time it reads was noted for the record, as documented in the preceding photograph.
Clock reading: 6:24
